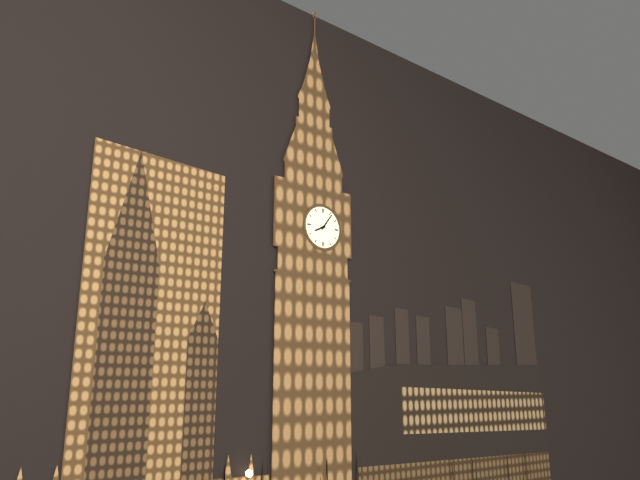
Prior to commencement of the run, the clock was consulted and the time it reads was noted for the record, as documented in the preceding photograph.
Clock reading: 8:06
